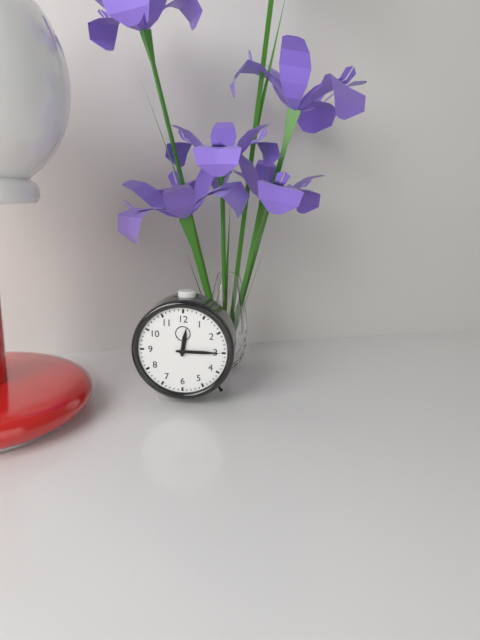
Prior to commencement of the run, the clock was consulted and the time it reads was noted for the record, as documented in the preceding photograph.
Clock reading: 12:15
